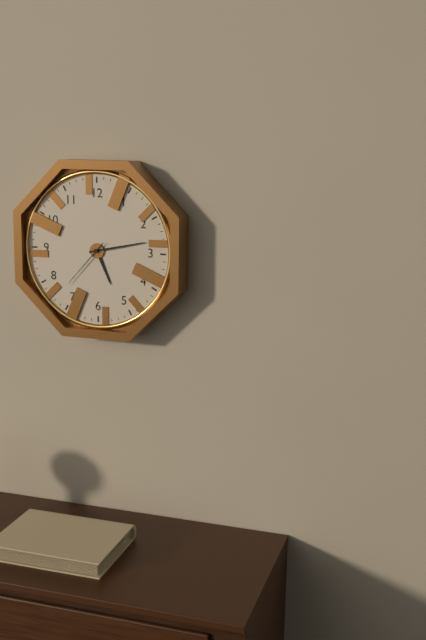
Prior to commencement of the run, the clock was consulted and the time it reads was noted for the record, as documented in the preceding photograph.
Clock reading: 5:13:37
